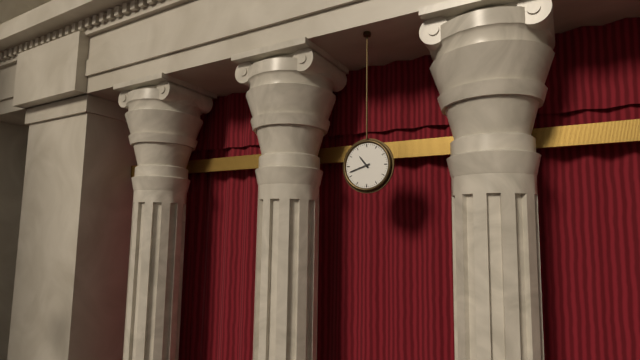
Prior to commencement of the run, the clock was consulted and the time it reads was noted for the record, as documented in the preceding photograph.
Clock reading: 10:42
